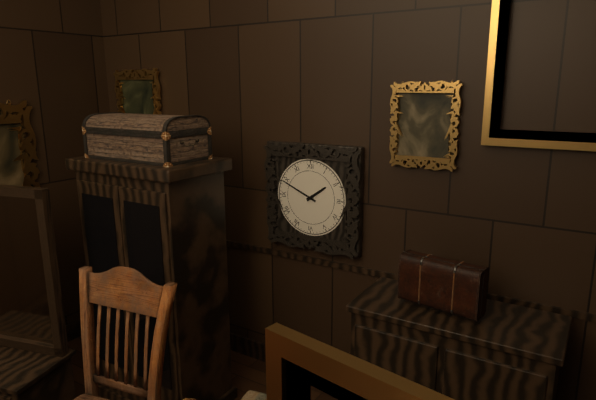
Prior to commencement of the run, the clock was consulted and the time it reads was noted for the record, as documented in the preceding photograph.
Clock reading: 1:49
